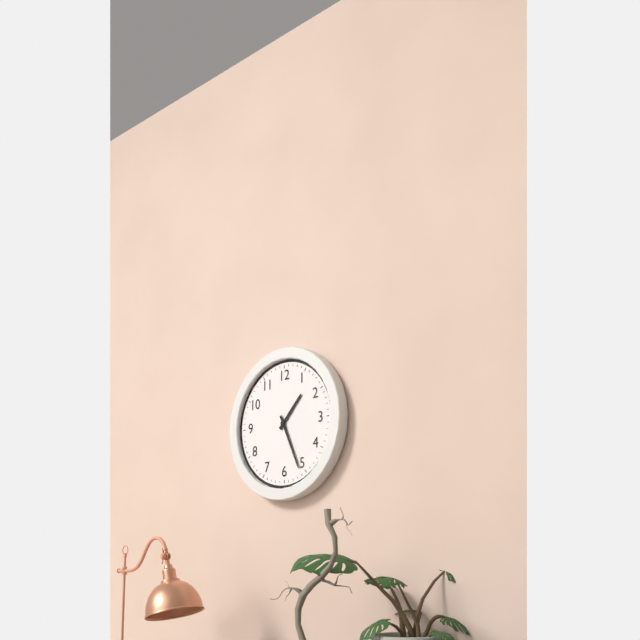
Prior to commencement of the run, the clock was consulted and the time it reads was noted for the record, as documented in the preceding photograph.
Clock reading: 1:26
